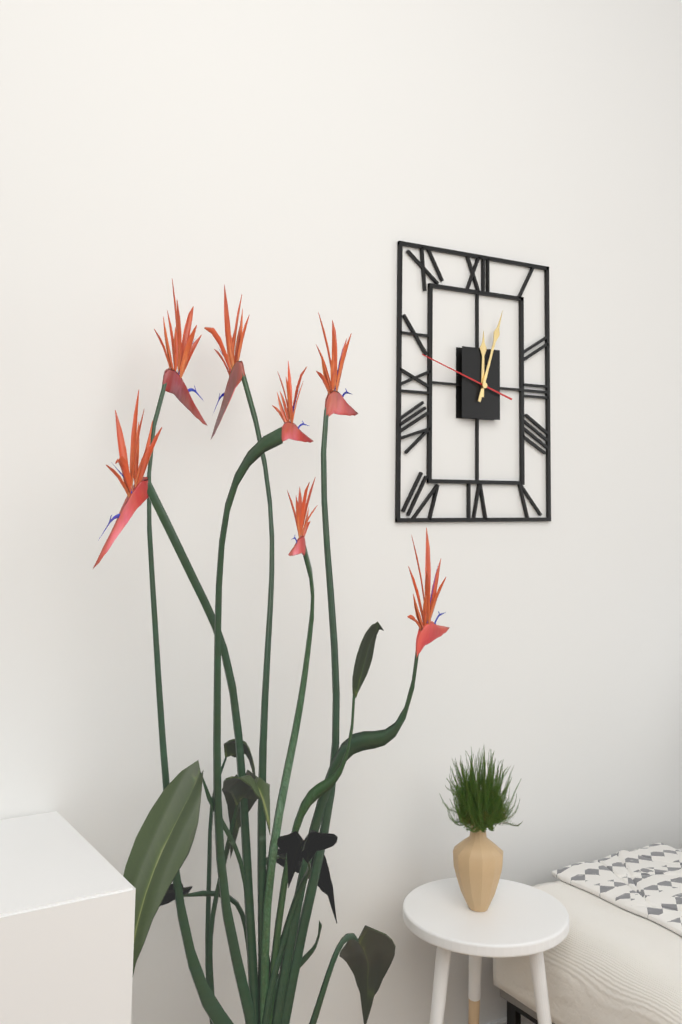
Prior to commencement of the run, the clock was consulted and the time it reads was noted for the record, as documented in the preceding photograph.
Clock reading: 12:03:48
